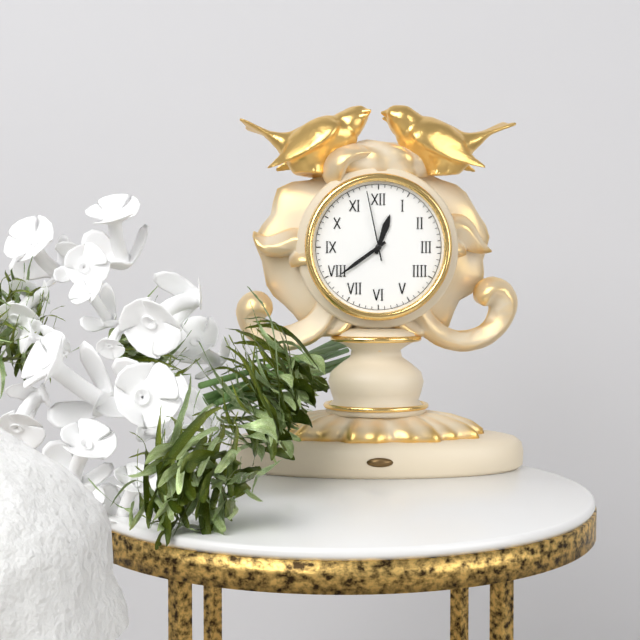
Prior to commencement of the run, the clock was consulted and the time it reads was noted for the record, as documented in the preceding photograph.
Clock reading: 12:39:58
